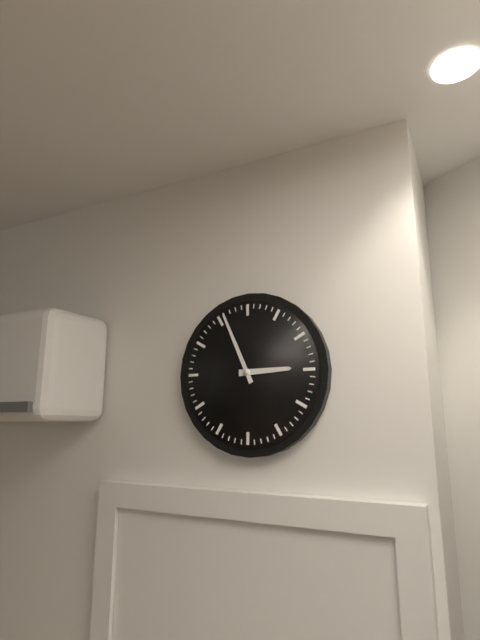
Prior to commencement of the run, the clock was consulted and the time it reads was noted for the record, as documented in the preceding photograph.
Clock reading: 2:56
